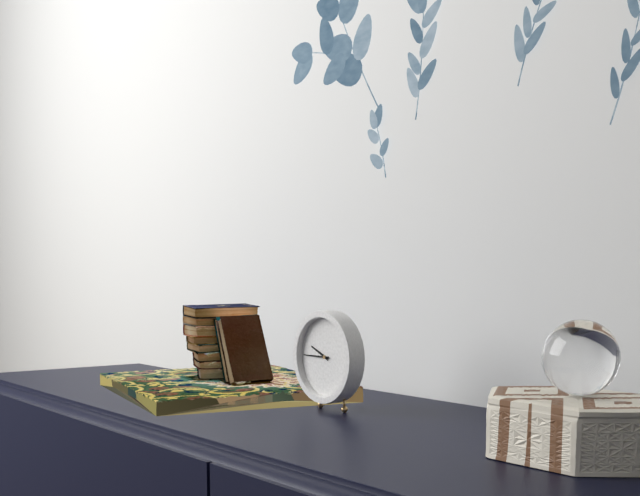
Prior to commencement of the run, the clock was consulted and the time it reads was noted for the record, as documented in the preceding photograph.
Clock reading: 9:45
